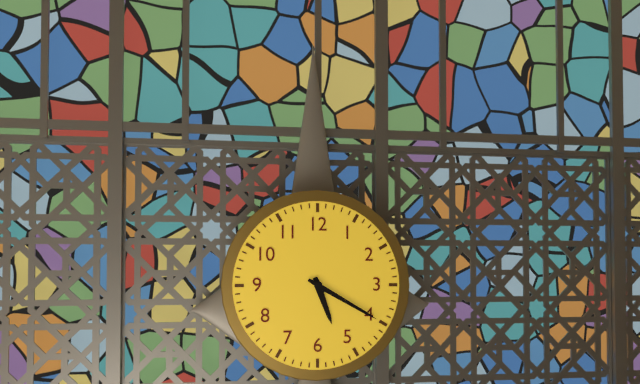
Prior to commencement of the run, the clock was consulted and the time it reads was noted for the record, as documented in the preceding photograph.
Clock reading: 5:20
